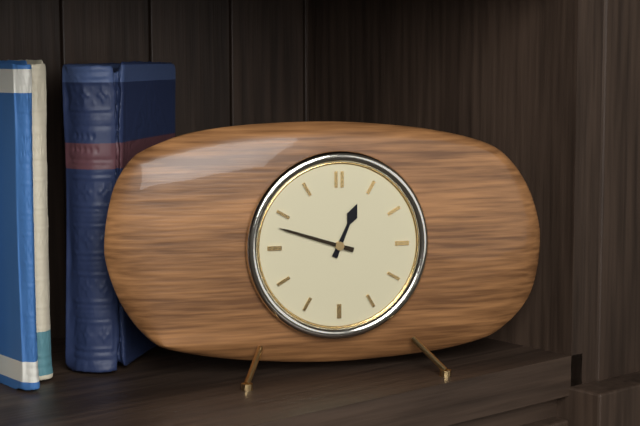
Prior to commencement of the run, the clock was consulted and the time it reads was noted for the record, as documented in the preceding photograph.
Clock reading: 12:48
